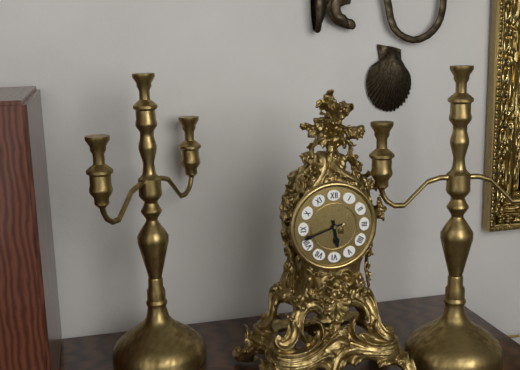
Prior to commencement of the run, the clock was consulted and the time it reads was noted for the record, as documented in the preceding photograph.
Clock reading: 5:42
